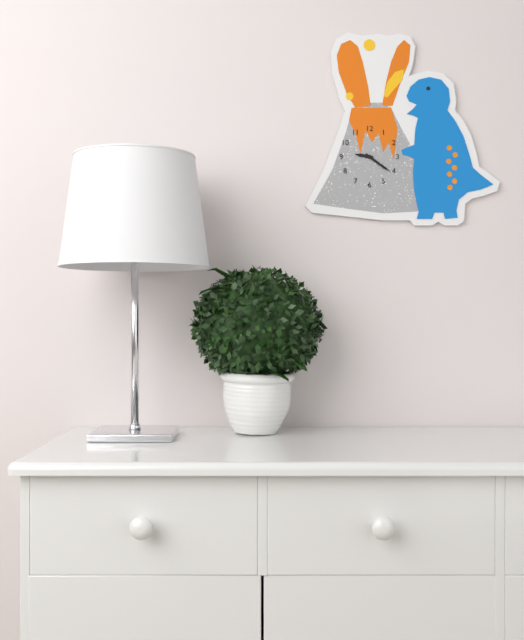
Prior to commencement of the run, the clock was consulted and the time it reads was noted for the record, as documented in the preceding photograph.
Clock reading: 9:21
